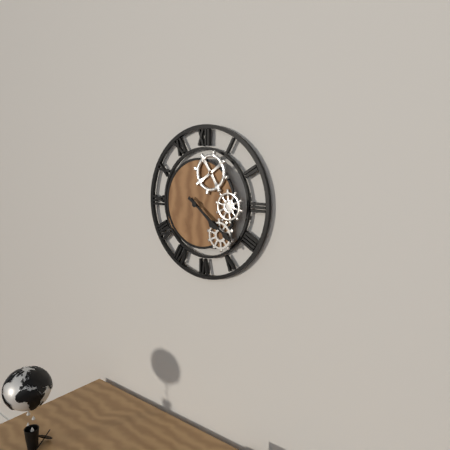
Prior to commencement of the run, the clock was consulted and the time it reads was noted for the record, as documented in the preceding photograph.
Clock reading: 4:21
